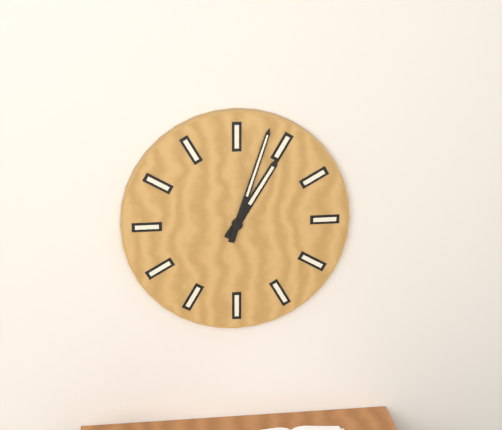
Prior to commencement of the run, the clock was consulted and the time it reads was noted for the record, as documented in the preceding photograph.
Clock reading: 1:03
